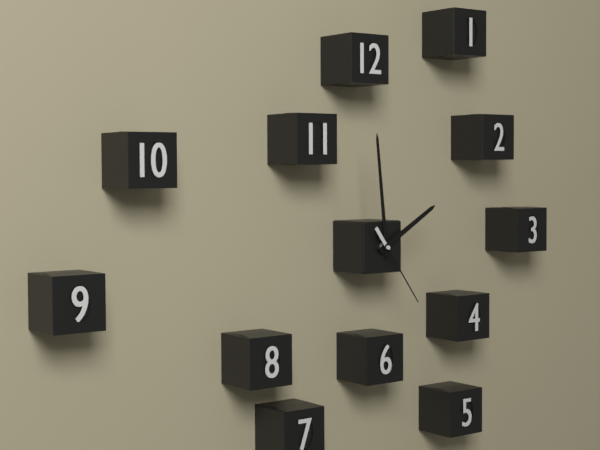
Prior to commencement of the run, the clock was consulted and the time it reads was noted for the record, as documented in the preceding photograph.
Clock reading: 1:59:24
